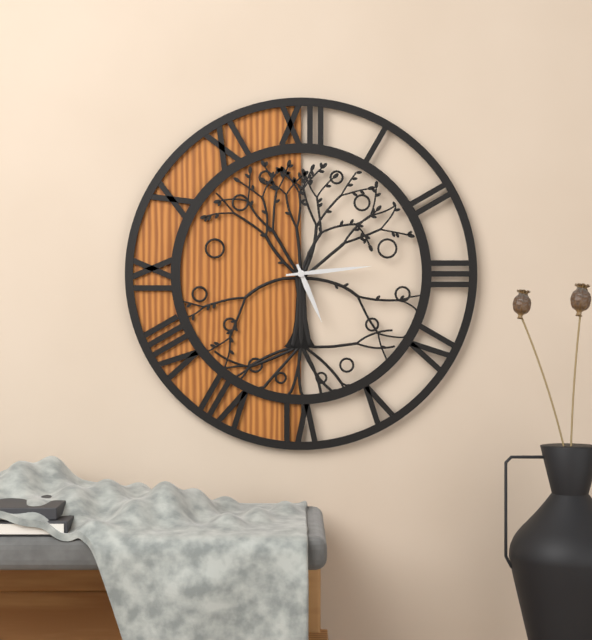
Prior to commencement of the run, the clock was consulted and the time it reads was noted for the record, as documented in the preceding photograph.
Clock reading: 5:14
